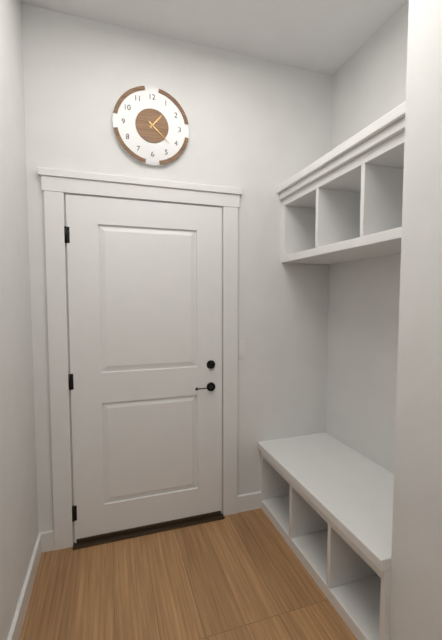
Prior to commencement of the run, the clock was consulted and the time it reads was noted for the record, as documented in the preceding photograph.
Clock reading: 1:22
